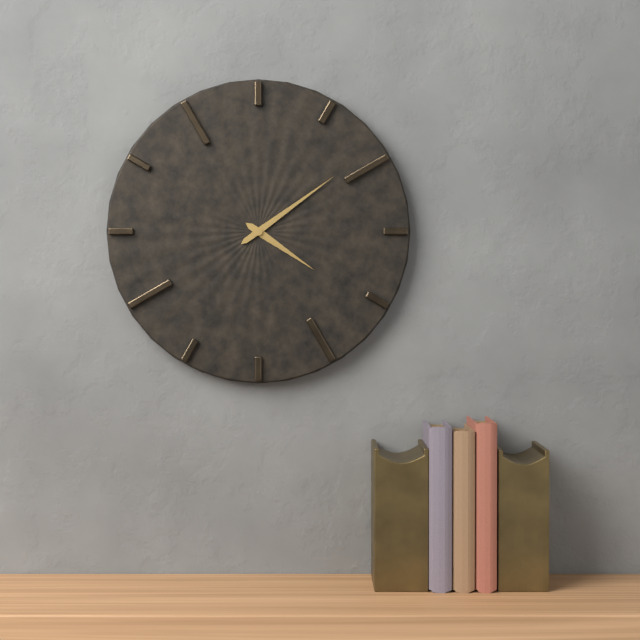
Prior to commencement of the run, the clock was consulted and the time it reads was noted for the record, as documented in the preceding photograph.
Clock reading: 4:09
